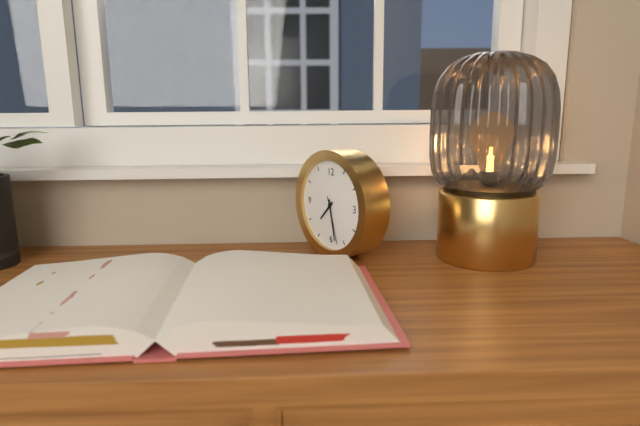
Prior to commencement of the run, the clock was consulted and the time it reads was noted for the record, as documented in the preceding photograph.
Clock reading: 7:28:27
